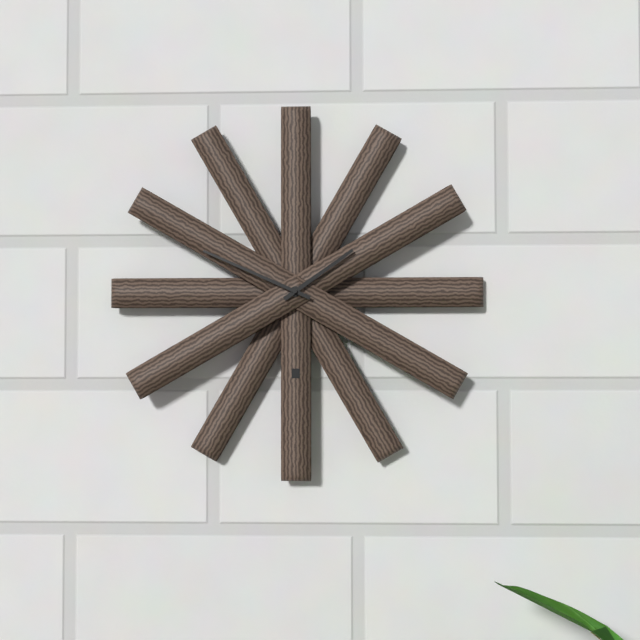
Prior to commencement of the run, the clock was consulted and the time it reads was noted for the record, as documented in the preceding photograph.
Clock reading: 1:49
